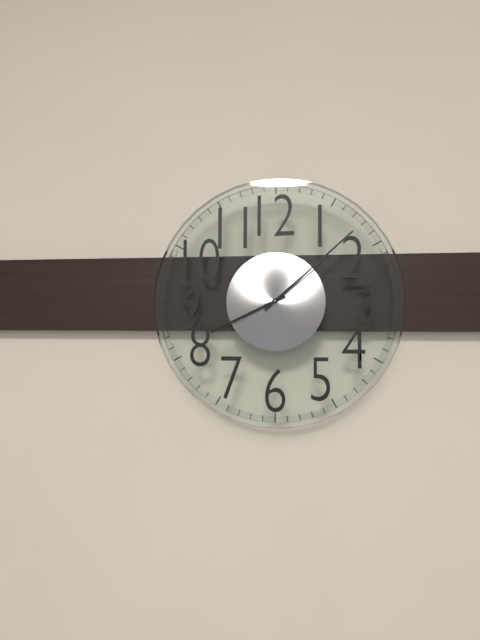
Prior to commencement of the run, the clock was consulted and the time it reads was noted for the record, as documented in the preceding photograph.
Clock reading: 8:08
